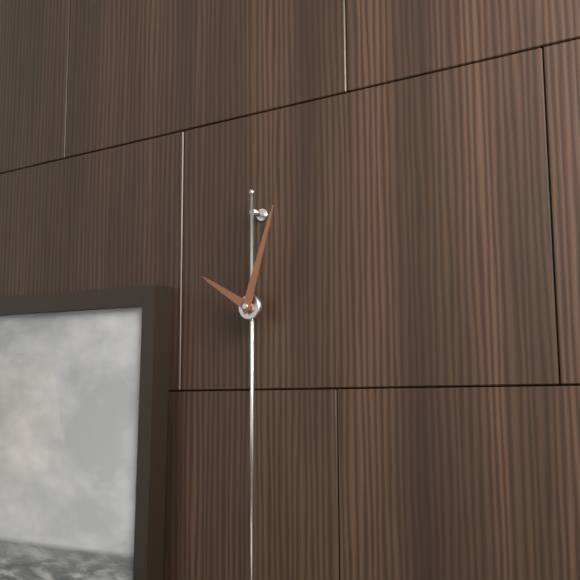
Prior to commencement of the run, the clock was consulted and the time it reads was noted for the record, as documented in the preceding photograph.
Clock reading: 10:03
